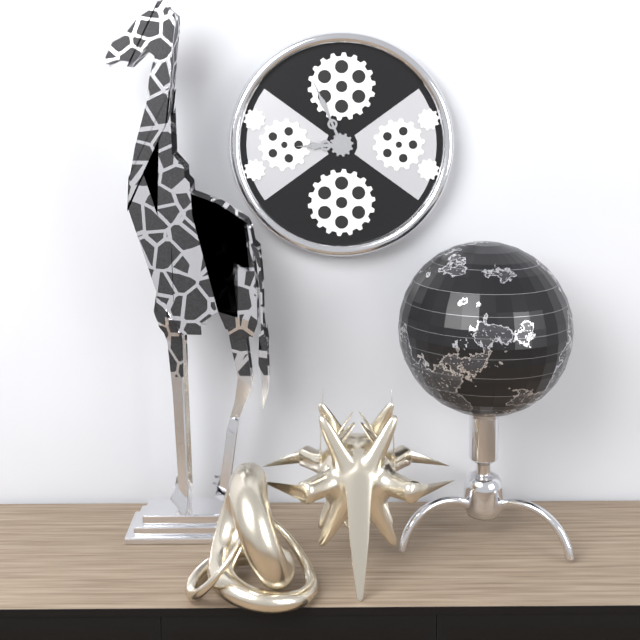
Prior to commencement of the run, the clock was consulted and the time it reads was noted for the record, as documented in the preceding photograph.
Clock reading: 8:56
